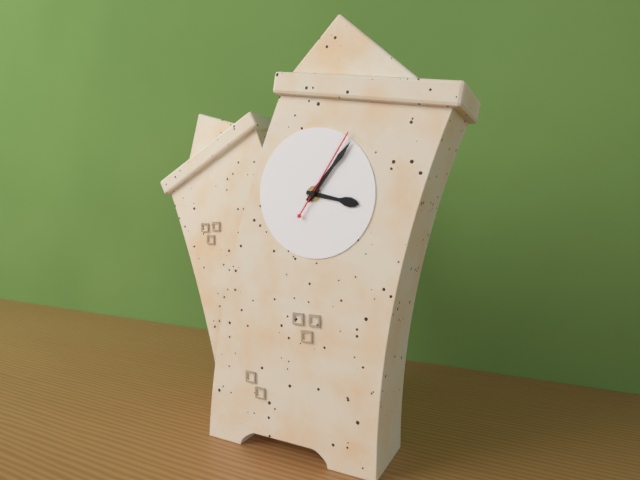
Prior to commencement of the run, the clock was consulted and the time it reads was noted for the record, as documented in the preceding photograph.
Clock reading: 3:05:04
